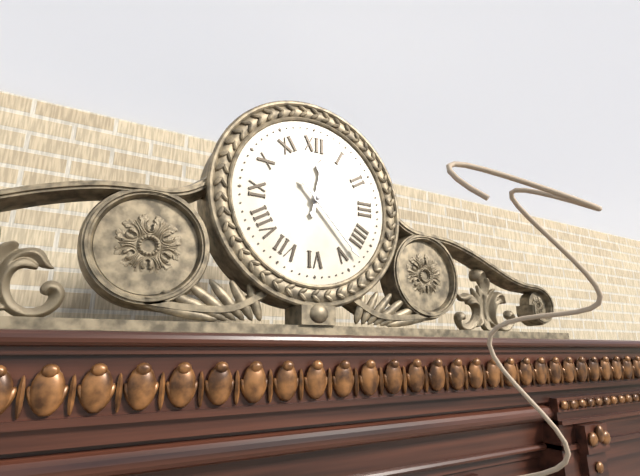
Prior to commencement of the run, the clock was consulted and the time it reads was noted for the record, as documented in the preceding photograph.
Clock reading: 12:23
